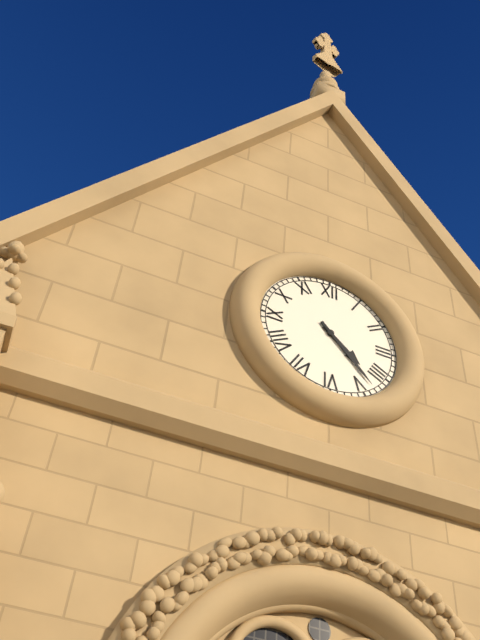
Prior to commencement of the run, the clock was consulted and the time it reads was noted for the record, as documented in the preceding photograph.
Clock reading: 4:23
